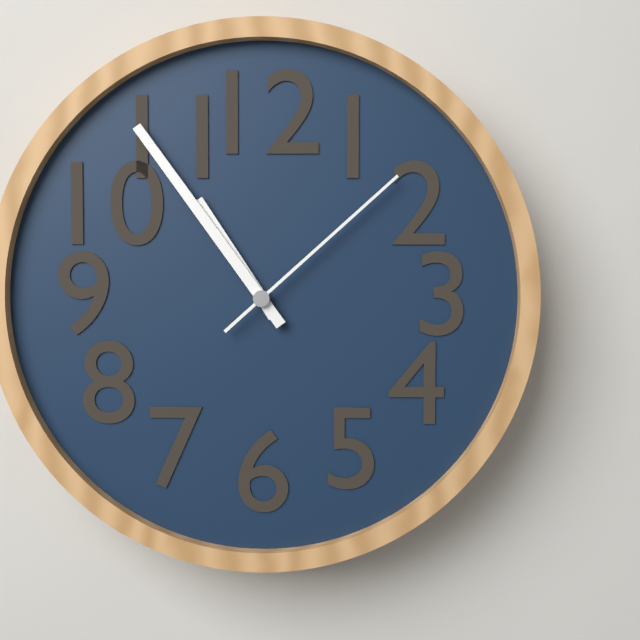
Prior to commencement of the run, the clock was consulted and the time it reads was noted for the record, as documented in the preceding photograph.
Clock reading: 10:54:08
